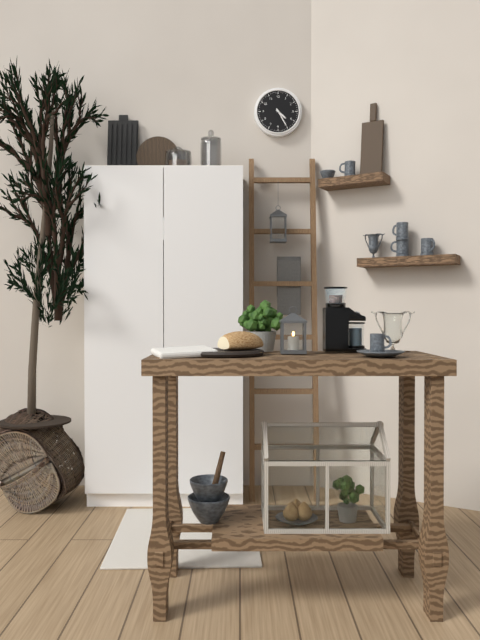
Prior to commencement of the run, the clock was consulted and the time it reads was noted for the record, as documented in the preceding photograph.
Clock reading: 4:25
